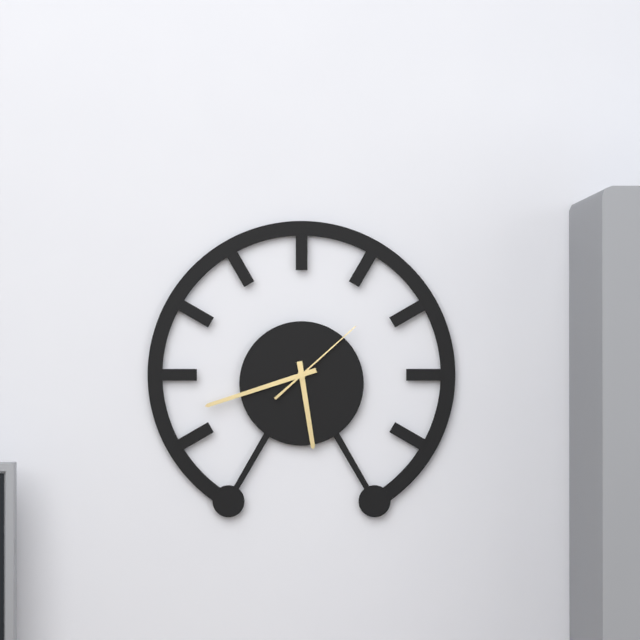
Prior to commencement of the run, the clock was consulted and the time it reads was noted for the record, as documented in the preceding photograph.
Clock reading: 5:42:08
